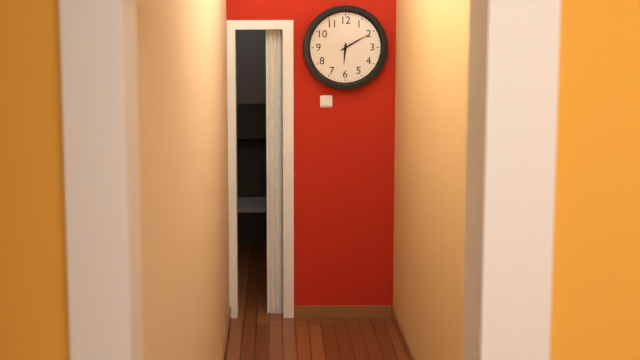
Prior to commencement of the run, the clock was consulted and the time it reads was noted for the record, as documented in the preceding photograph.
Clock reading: 6:10
